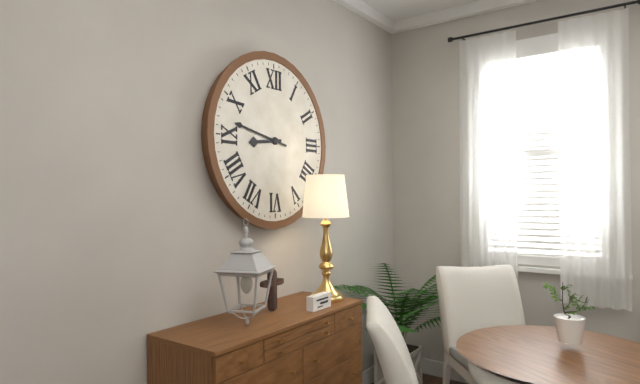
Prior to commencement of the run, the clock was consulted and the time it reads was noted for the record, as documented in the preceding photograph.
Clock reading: 8:47
